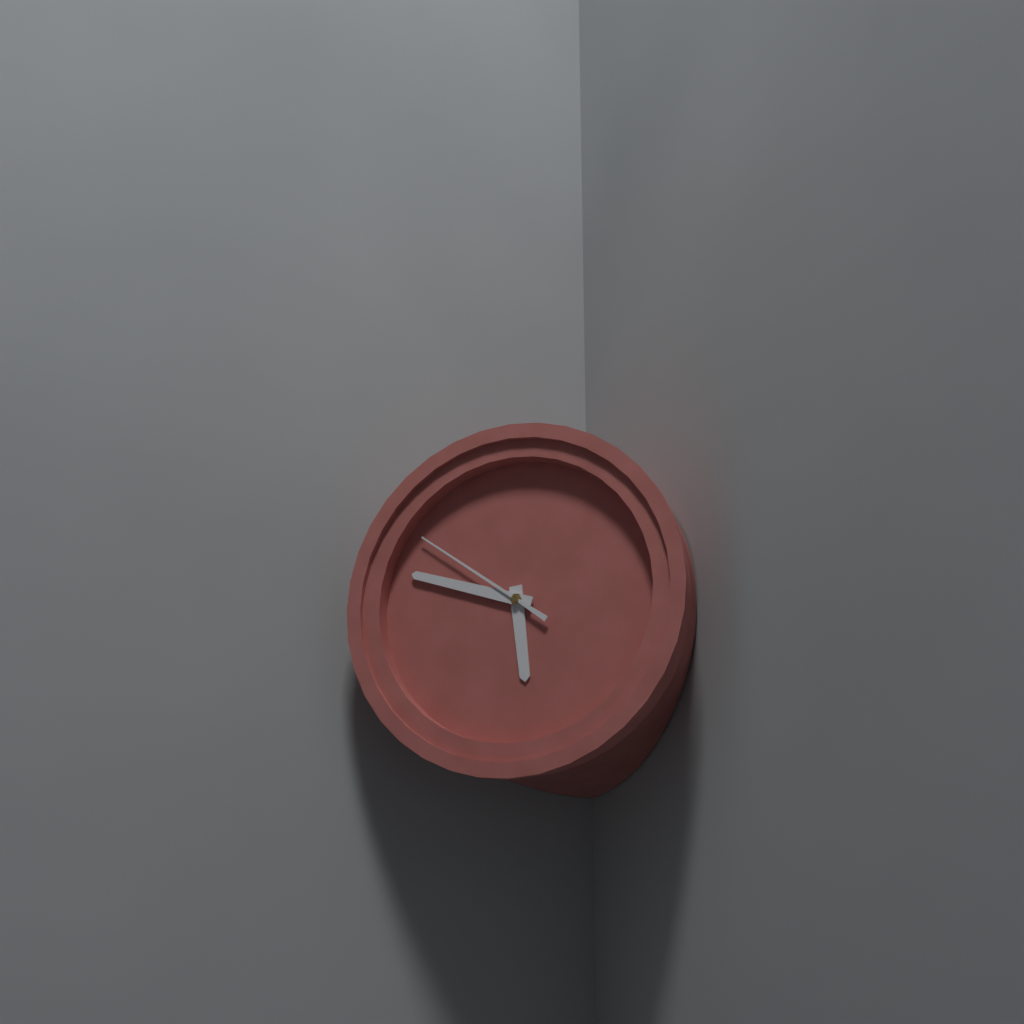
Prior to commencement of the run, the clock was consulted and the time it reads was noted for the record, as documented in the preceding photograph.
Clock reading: 5:48:51
